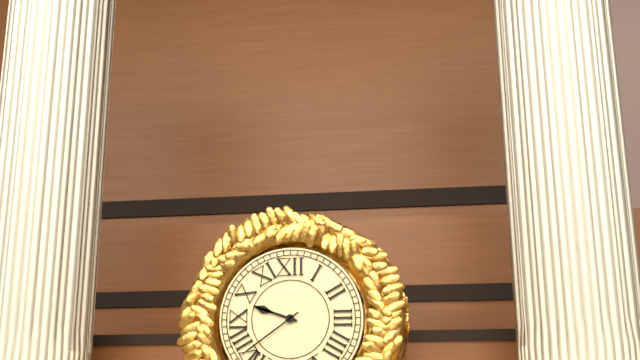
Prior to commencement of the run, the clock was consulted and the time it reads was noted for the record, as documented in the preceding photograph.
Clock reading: 9:39
